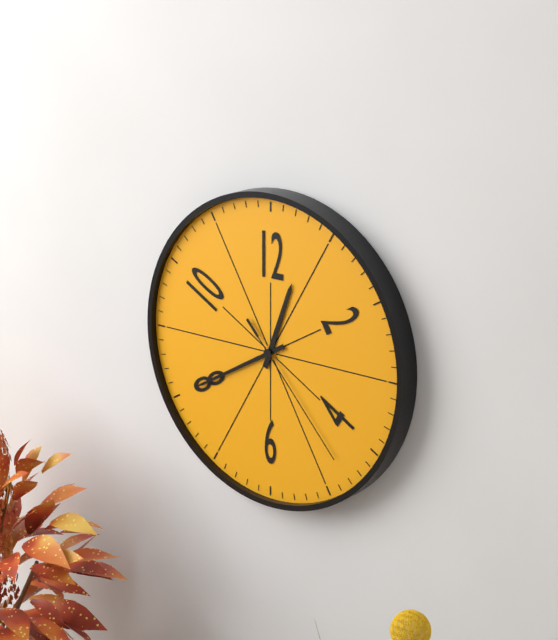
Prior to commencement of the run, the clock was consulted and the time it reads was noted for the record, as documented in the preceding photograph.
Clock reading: 12:40:23
